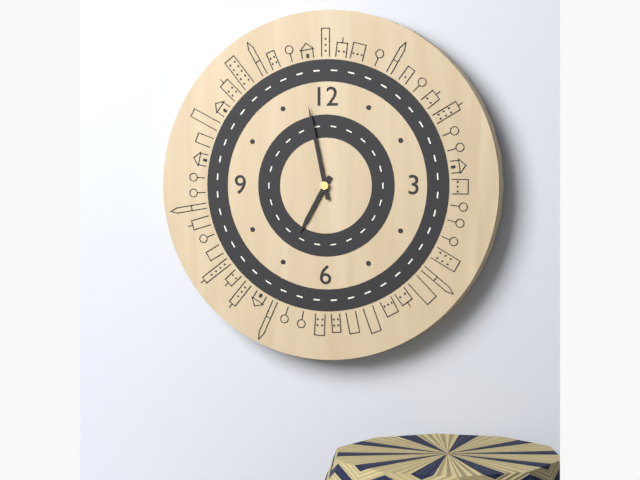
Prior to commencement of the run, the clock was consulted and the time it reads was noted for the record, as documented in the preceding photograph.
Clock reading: 6:58
